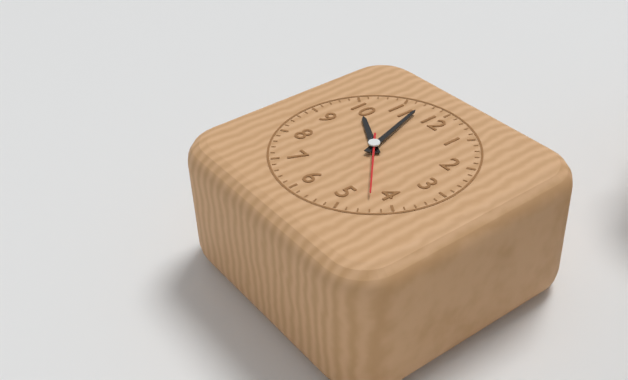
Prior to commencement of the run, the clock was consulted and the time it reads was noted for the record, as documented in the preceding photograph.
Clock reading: 9:57:22
